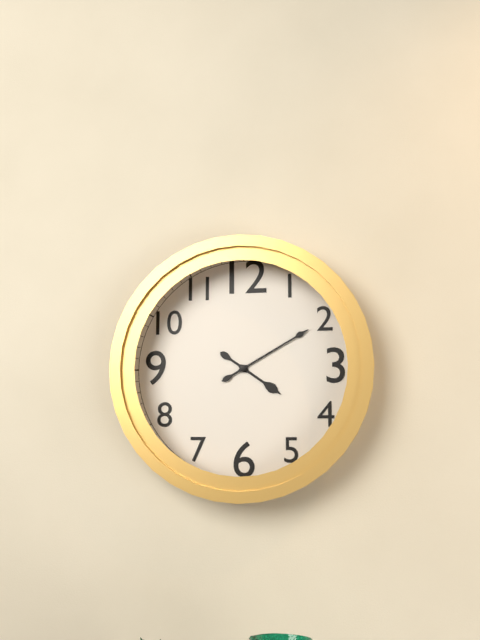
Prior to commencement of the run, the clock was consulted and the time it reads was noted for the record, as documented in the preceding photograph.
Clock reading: 4:10
